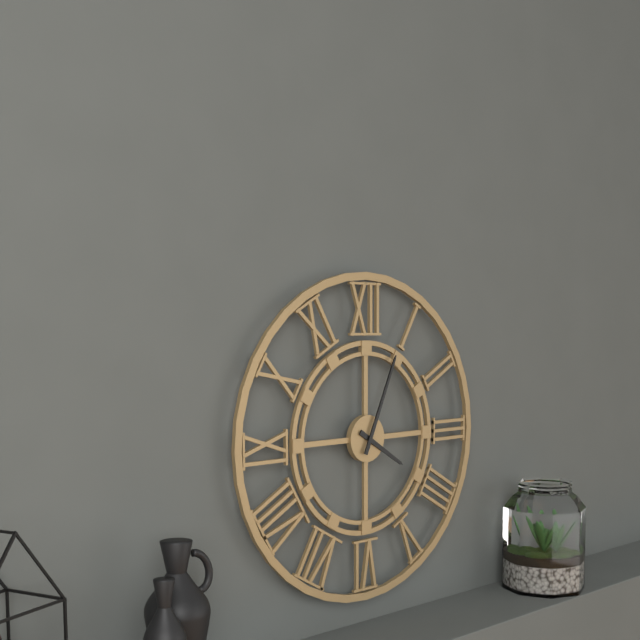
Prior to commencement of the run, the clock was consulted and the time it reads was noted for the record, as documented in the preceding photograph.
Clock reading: 4:04
